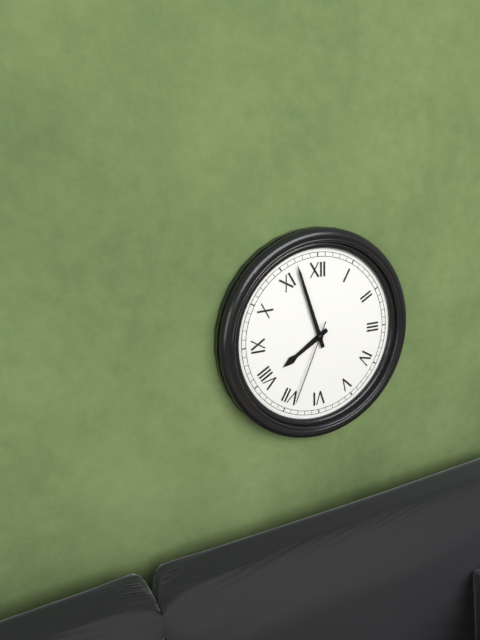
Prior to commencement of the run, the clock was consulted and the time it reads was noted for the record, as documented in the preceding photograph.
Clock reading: 7:57:34
